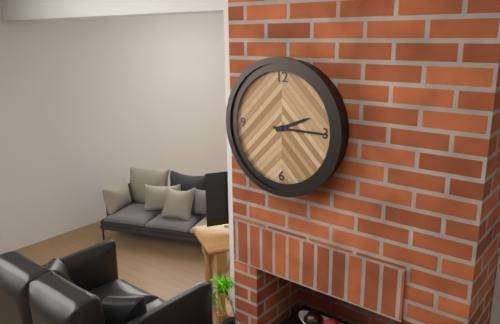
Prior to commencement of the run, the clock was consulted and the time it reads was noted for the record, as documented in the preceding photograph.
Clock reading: 2:15
